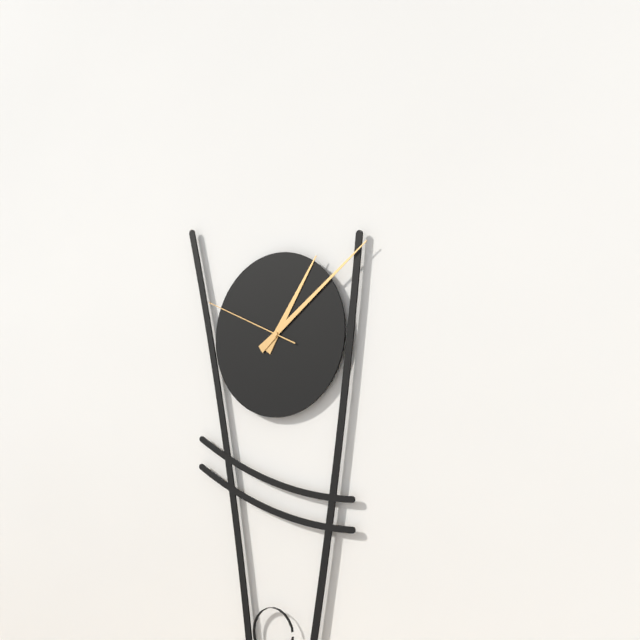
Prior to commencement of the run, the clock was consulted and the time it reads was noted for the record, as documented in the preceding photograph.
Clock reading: 1:09:49
